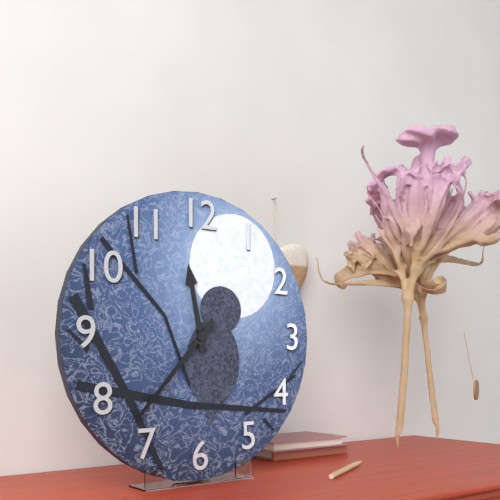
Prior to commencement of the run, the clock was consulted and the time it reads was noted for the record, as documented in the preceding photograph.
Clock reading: 11:37
